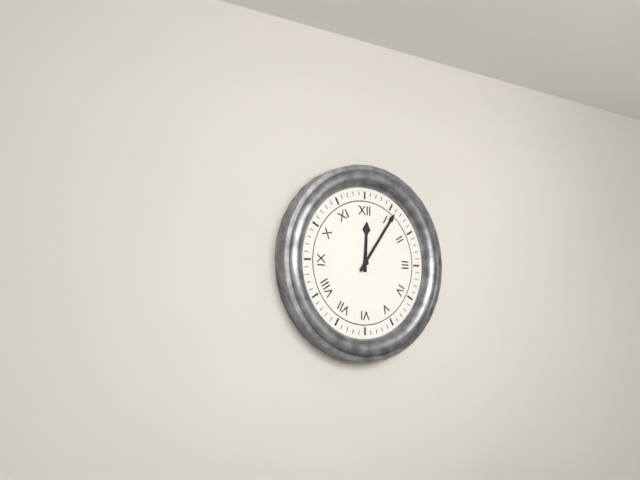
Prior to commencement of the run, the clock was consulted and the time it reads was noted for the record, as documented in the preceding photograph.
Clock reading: 12:06
